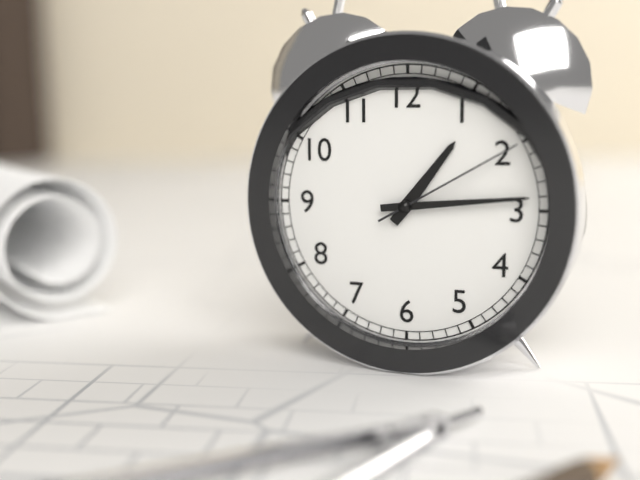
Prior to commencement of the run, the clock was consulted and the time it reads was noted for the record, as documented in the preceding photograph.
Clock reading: 1:14:10
